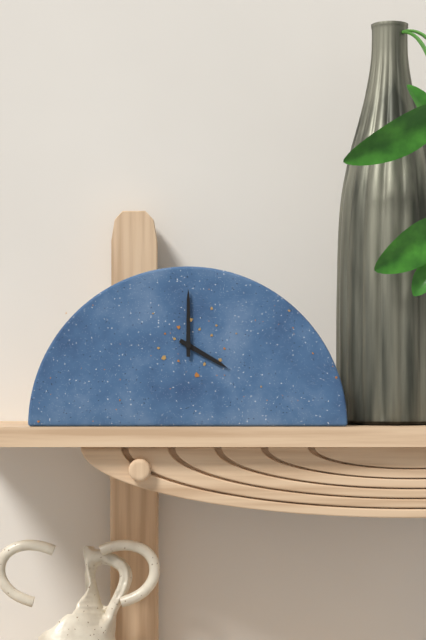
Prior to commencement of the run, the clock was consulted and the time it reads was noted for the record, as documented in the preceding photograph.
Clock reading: 4:00
